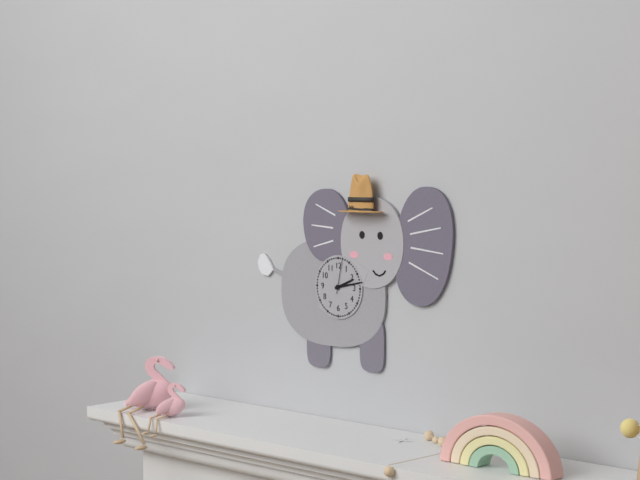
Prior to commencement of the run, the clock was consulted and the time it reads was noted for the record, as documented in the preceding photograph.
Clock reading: 2:13
